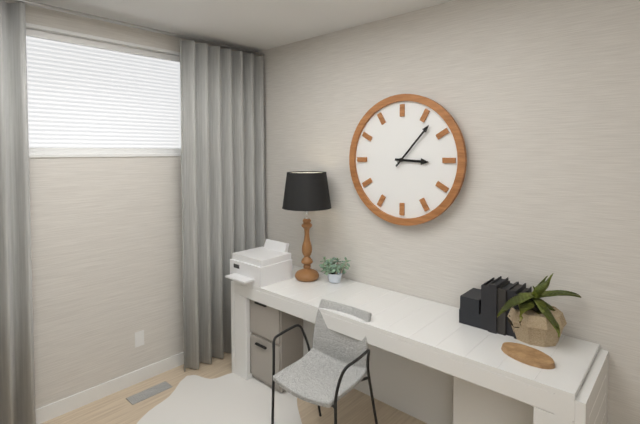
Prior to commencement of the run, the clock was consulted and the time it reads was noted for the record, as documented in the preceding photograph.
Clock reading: 3:07
